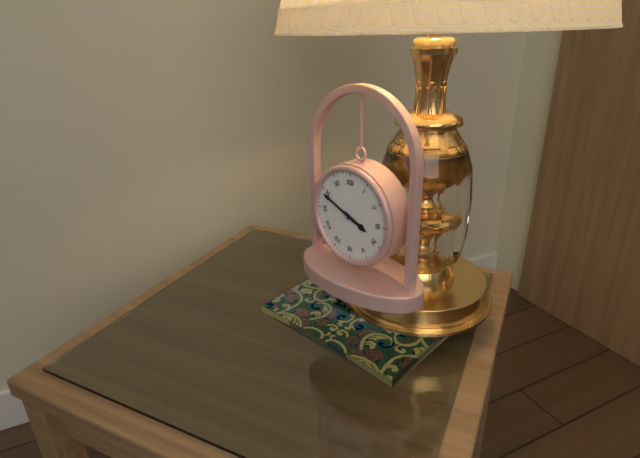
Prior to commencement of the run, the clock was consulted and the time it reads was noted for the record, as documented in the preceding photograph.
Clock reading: 3:49
